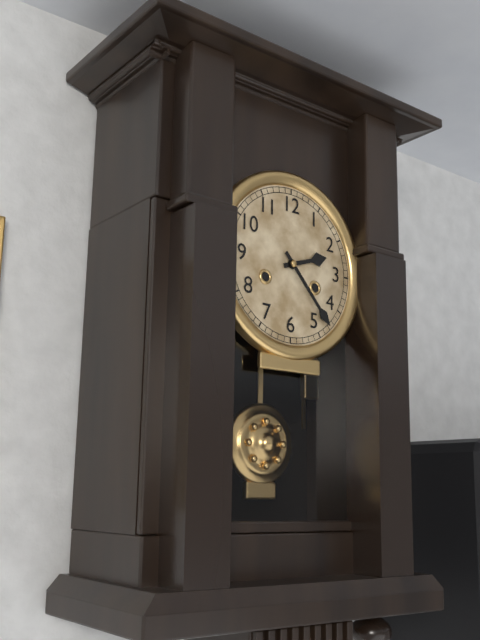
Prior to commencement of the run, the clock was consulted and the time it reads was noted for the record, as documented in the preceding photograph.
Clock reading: 2:23
